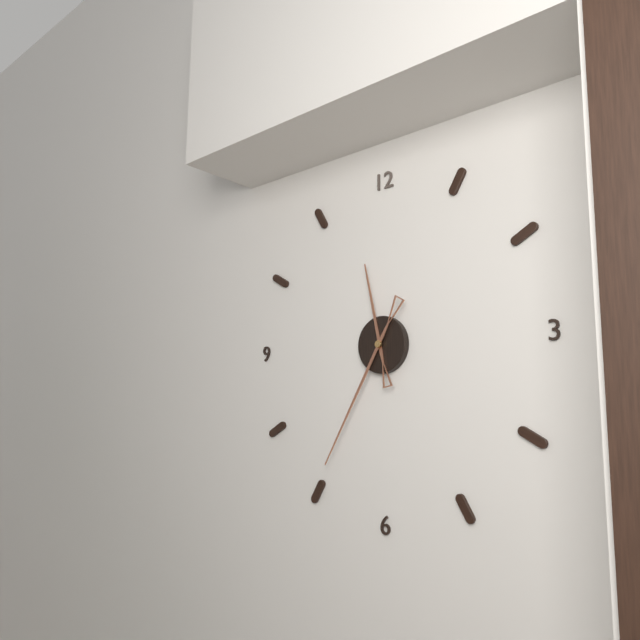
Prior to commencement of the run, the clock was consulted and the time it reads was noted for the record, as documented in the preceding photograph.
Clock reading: 11:35
